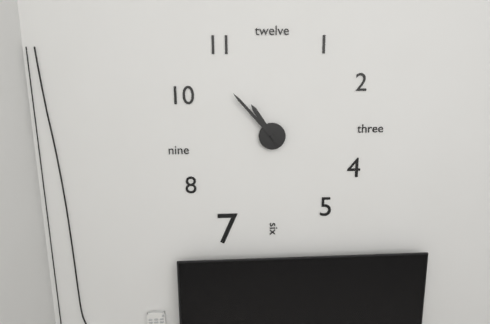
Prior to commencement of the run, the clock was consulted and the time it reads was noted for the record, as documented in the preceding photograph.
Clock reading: 10:53
